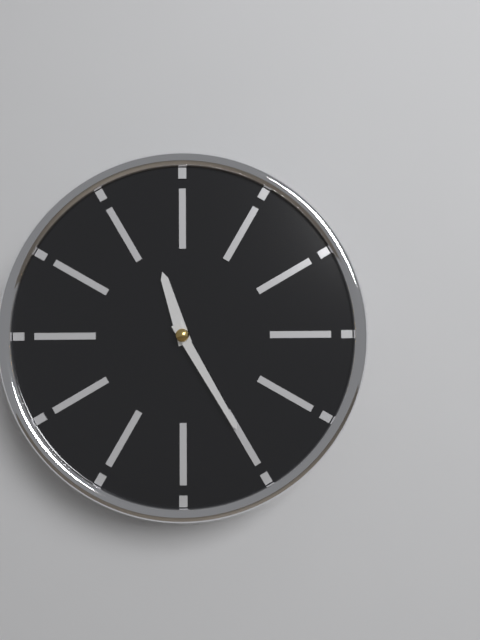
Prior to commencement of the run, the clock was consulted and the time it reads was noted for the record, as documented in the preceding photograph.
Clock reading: 11:25
